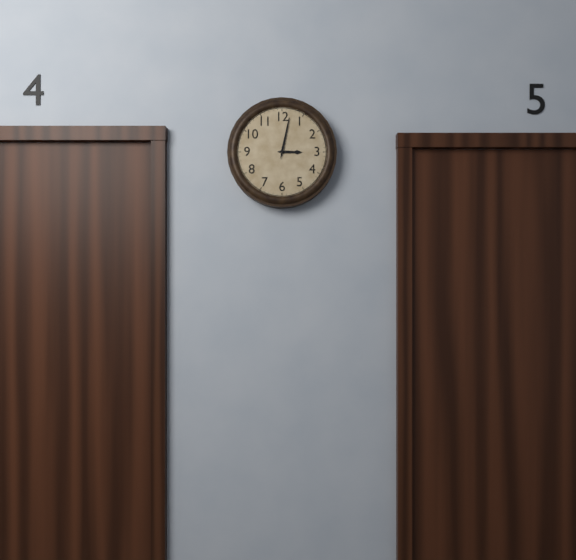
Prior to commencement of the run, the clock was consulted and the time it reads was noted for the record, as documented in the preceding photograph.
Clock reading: 3:02
